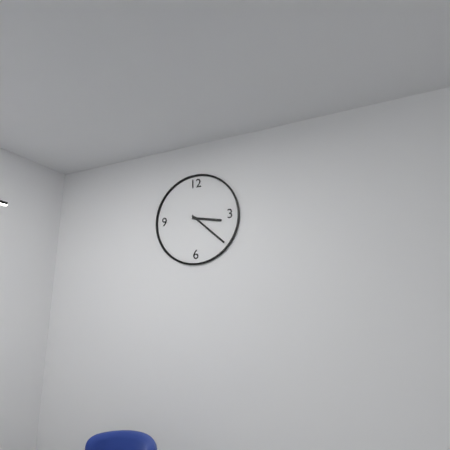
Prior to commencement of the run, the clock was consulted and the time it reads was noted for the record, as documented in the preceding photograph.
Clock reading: 3:22
